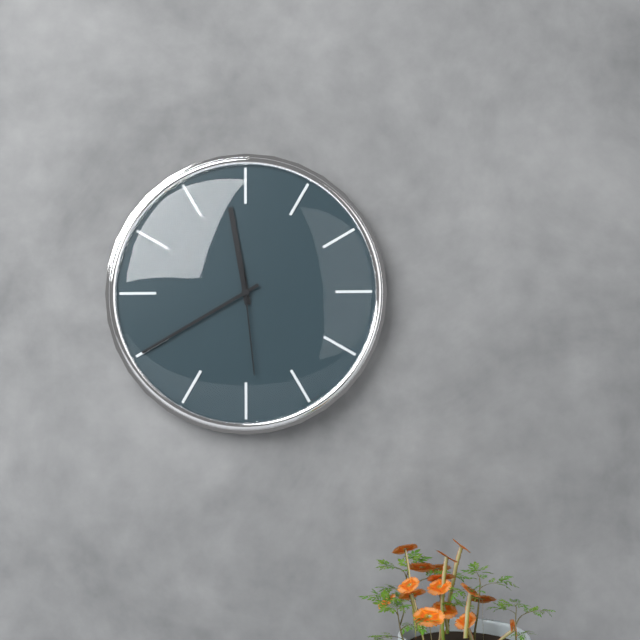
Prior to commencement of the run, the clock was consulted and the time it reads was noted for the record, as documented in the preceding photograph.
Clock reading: 11:40:29
